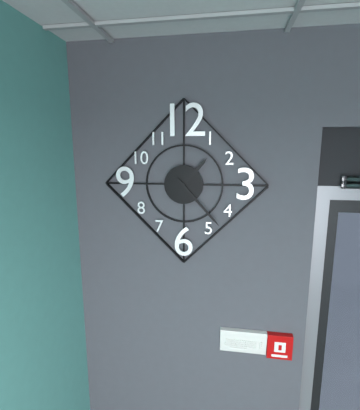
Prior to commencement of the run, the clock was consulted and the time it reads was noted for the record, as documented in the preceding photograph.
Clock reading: 1:23
